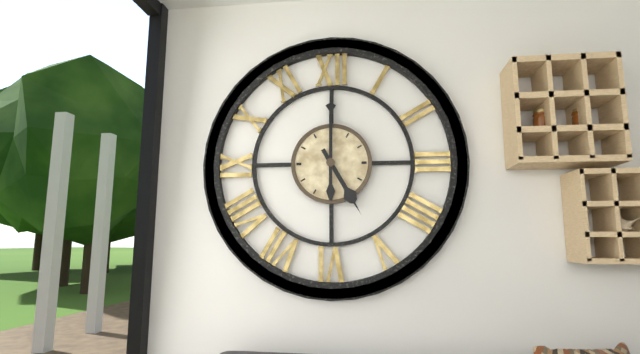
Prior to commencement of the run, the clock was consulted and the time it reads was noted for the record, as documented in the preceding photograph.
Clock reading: 5:00
